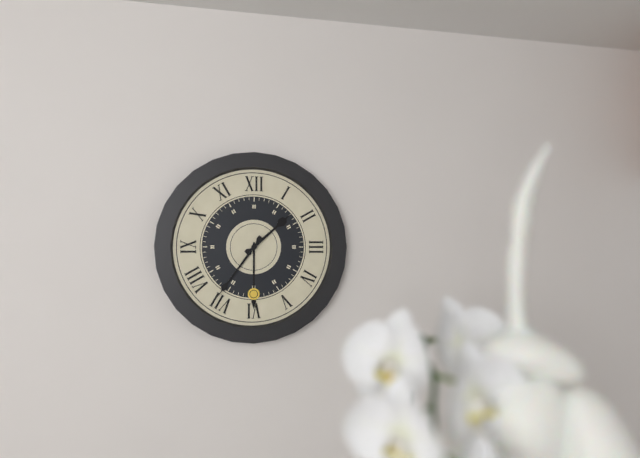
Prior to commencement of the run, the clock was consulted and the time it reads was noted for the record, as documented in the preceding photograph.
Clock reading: 1:36
